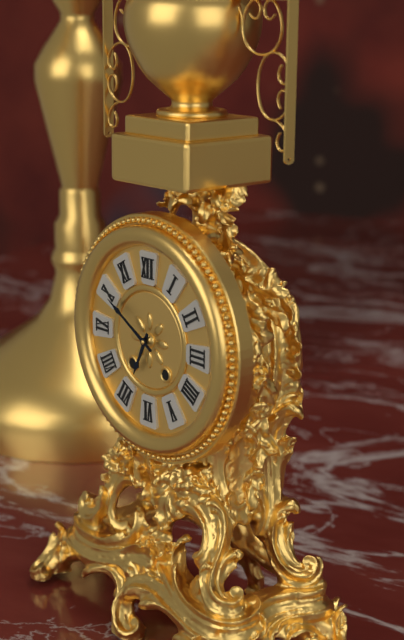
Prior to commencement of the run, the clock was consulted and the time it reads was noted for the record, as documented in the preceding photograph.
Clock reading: 6:50
